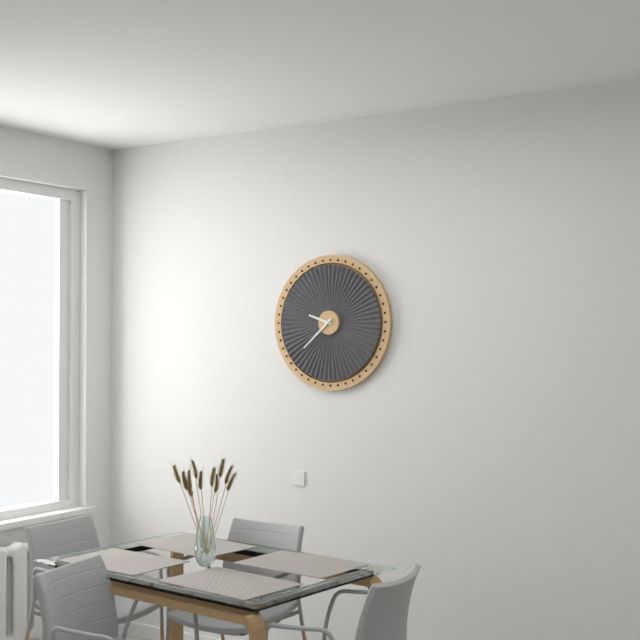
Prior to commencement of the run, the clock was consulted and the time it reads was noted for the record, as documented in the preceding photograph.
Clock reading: 9:38
